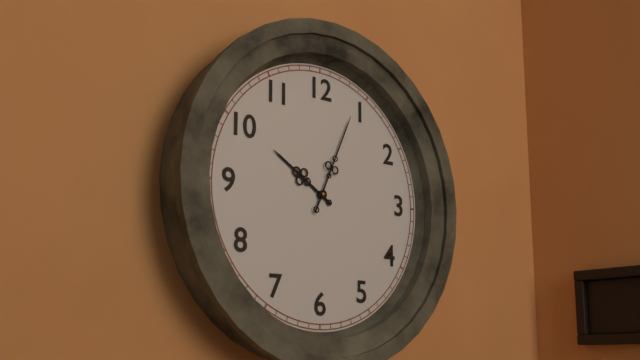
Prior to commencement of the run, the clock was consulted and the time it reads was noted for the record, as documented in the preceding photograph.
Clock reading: 10:04
